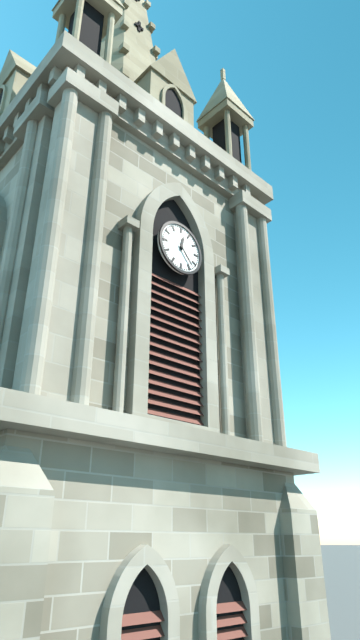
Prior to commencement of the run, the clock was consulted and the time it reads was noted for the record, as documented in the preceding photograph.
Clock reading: 12:23
